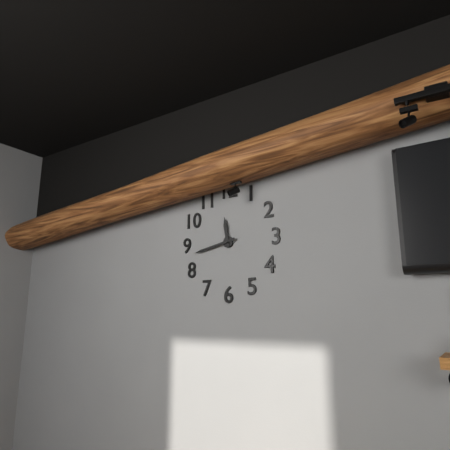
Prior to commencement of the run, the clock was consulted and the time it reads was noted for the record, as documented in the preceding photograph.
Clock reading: 11:43
